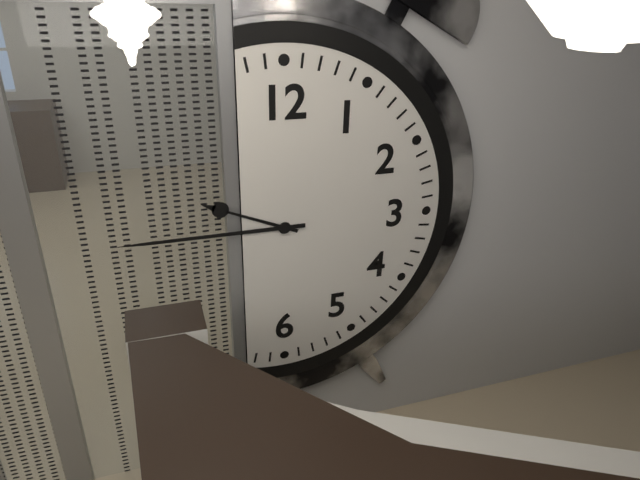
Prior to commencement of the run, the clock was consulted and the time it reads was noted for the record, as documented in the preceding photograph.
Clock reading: 9:45
